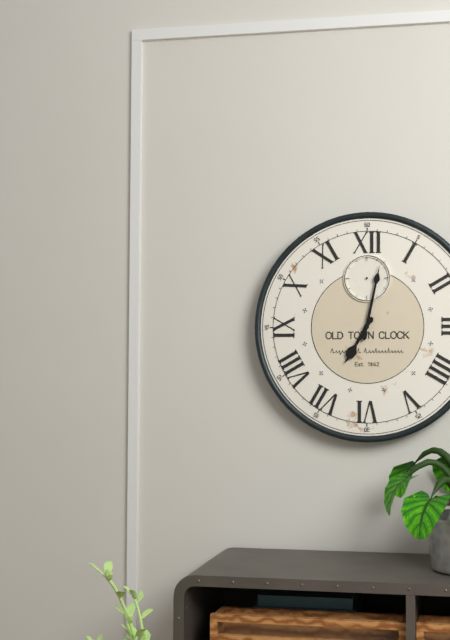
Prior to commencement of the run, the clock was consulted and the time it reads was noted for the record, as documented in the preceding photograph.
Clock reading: 7:02
